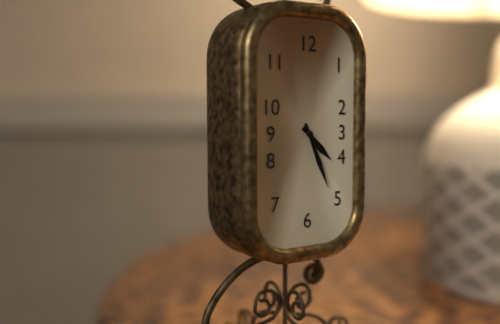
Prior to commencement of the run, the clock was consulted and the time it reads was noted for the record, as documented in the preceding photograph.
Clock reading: 4:26
